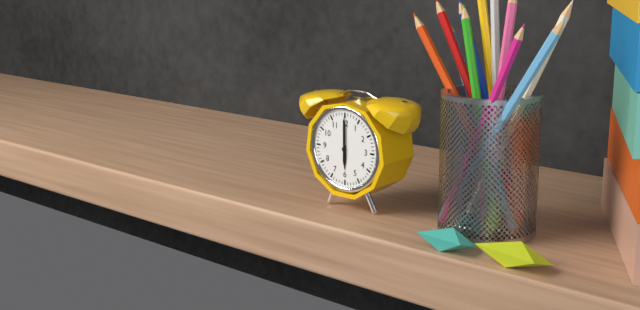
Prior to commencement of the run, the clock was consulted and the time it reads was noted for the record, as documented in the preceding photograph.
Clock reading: 6:00
